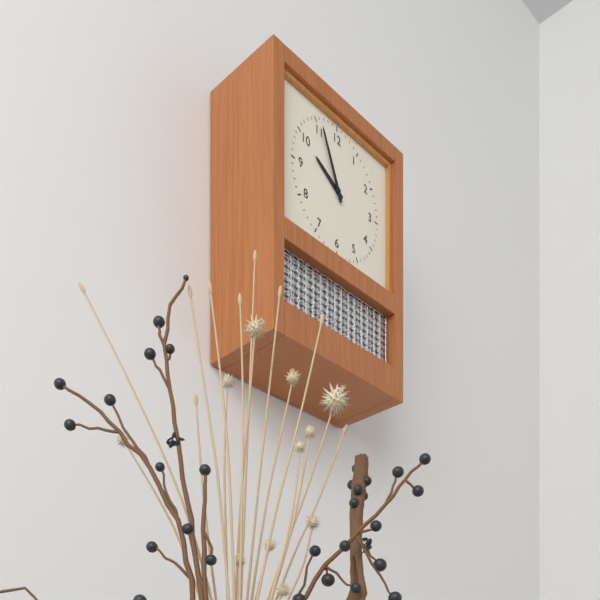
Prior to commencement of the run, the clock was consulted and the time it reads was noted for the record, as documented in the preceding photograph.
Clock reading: 9:56
